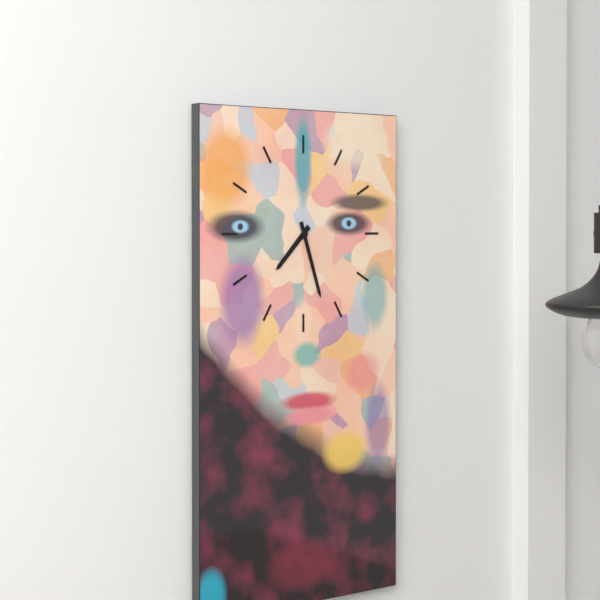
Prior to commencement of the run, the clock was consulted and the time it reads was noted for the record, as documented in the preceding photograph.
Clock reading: 7:27
